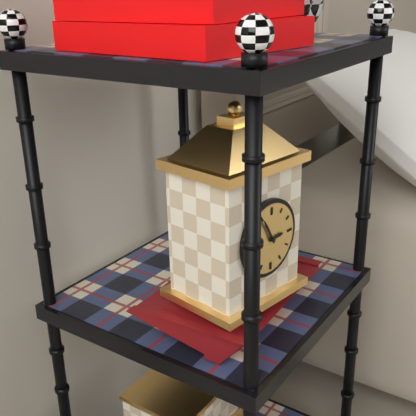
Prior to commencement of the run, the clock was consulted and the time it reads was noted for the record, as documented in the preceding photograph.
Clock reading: 2:55
